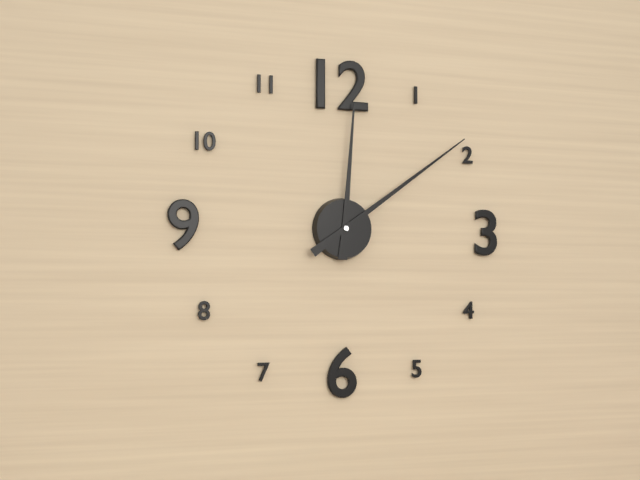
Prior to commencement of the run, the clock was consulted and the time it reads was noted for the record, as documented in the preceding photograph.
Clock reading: 12:09
